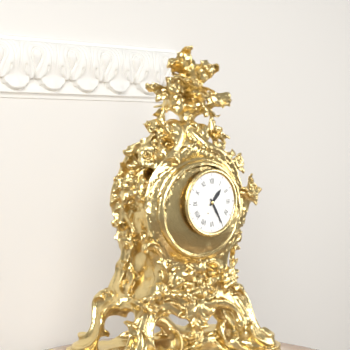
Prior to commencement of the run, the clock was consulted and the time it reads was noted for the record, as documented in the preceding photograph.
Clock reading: 1:25
